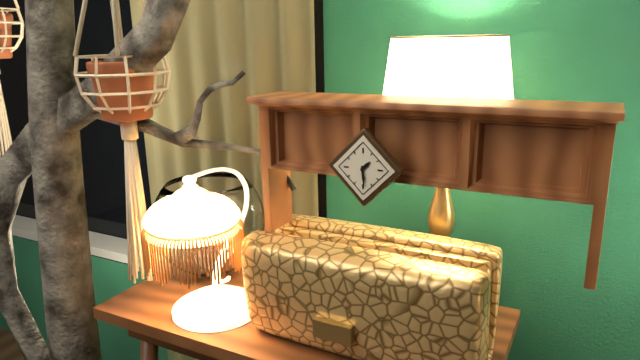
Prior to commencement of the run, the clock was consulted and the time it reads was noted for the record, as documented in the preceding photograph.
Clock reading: 1:29
